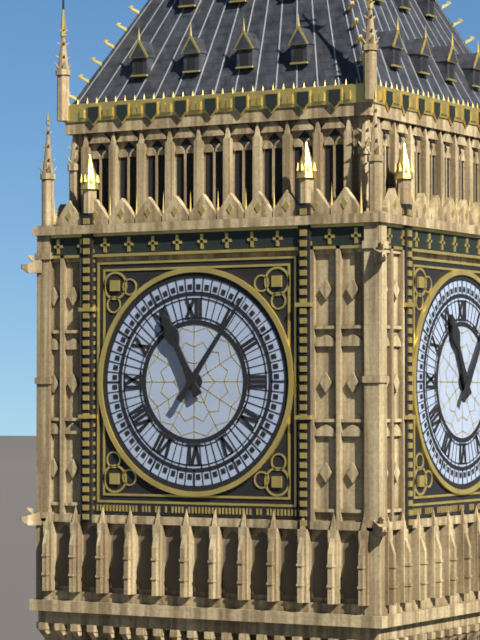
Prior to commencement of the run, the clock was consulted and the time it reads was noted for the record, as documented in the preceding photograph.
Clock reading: 11:06
